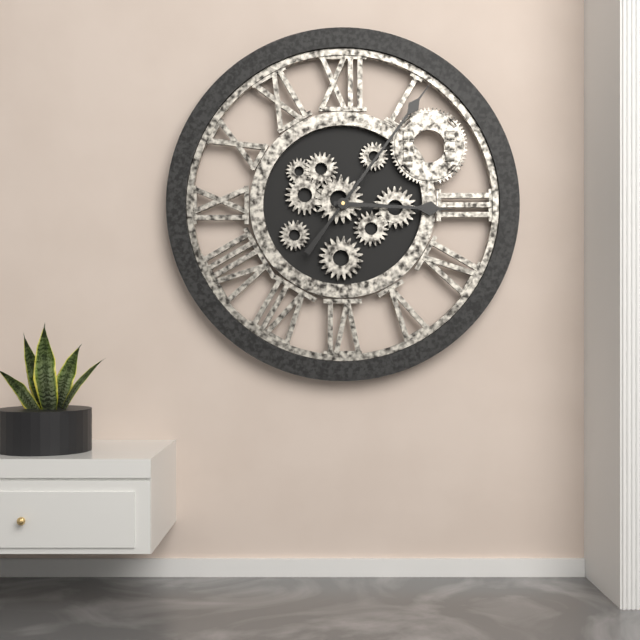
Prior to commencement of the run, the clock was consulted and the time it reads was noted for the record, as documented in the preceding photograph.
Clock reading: 3:06
